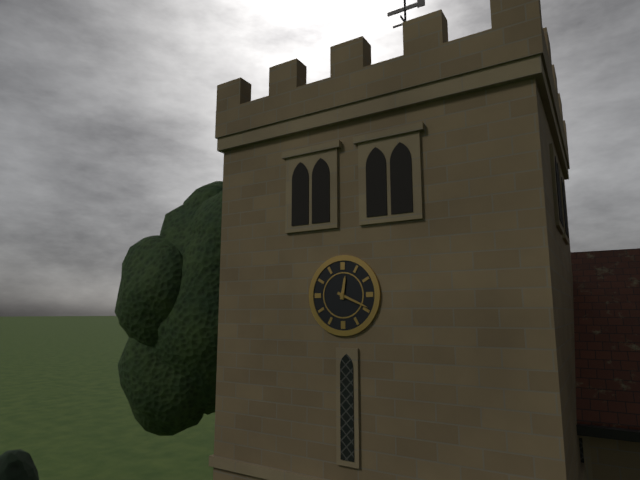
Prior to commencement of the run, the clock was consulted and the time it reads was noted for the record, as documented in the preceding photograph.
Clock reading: 12:19
